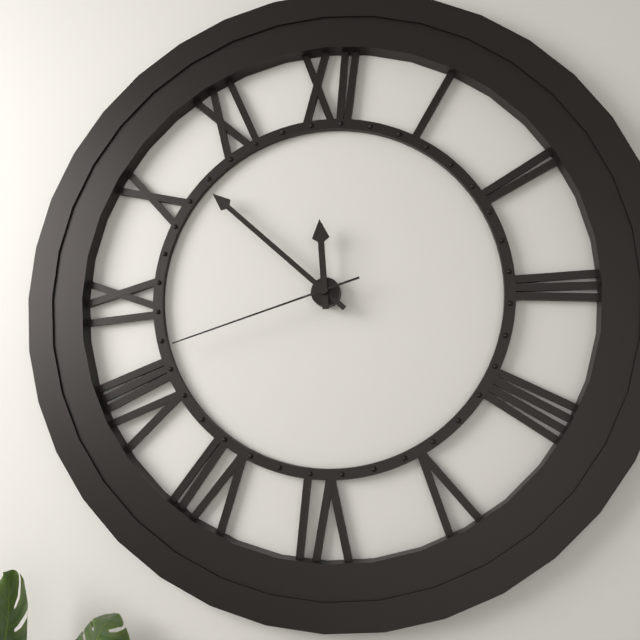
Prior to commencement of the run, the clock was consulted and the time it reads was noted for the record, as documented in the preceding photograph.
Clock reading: 11:52:42
